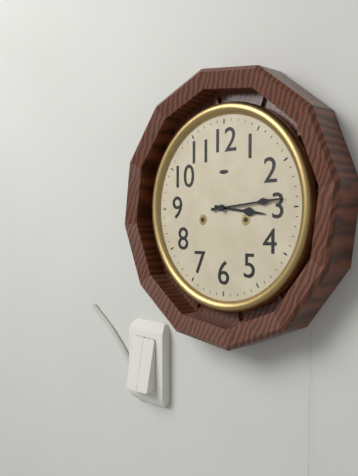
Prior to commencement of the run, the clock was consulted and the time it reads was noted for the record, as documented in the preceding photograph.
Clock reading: 3:14
